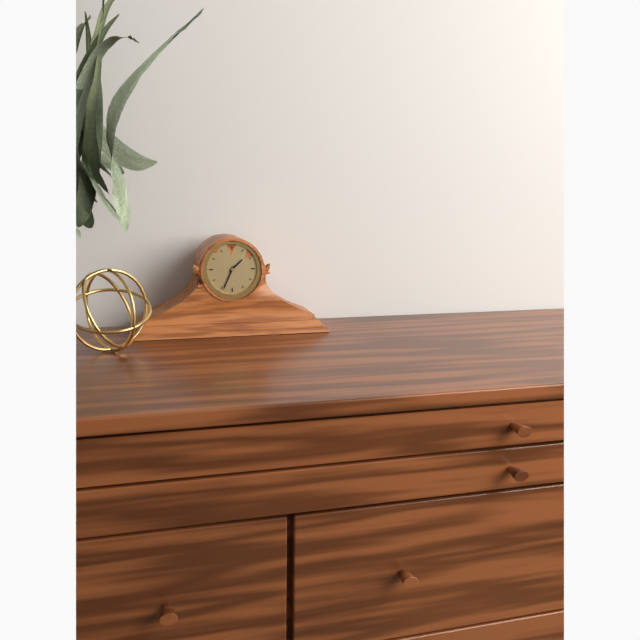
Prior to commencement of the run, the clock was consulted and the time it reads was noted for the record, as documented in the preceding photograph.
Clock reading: 1:34
